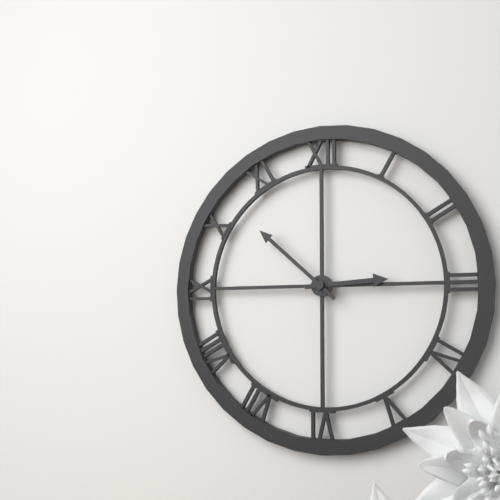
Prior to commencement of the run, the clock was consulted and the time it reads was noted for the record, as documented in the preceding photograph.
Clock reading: 2:52
